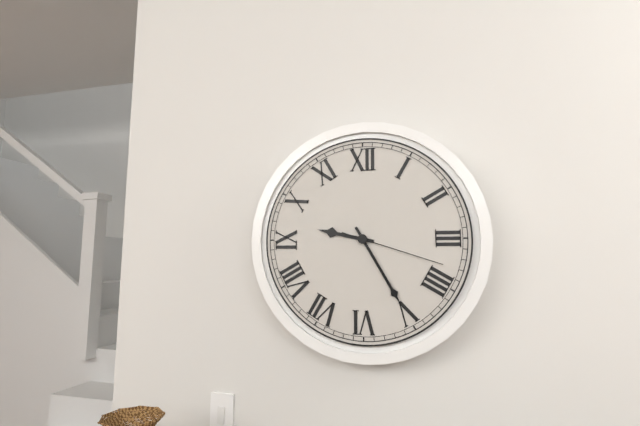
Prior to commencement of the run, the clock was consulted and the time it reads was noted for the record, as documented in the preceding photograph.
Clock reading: 9:25:18
